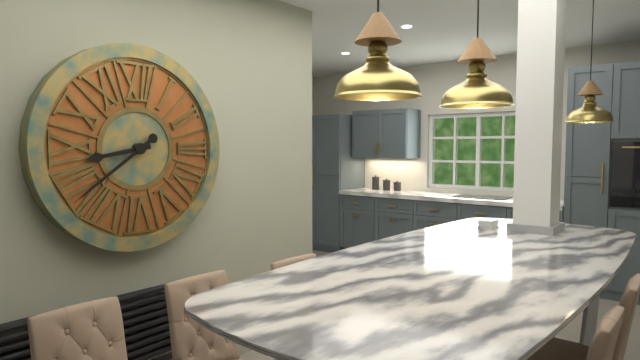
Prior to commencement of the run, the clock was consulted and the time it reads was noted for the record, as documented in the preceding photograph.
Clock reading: 8:39
